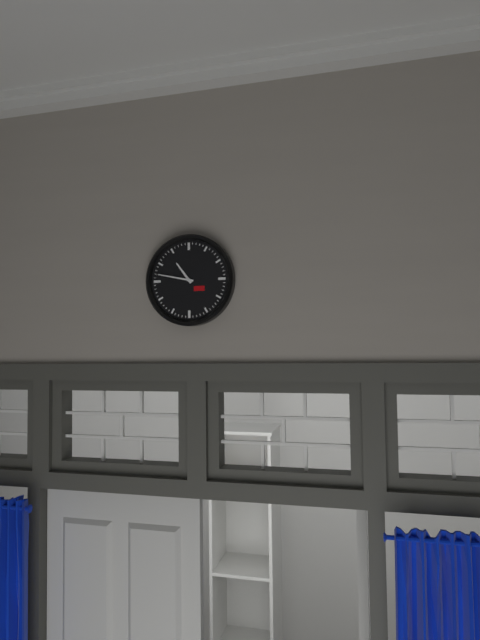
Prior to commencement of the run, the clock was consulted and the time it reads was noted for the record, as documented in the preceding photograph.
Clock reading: 10:47
